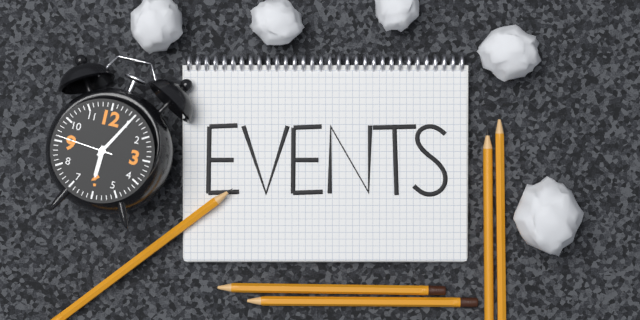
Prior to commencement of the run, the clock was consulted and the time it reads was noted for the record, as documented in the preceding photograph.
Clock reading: 6:05:46
